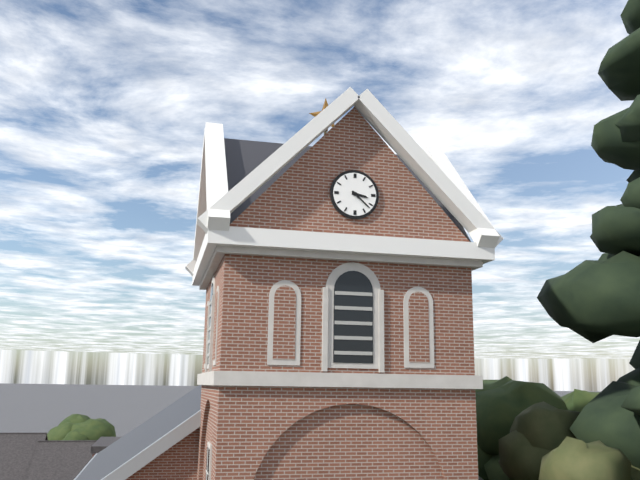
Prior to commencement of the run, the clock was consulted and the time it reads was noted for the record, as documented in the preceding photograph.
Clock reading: 3:22
